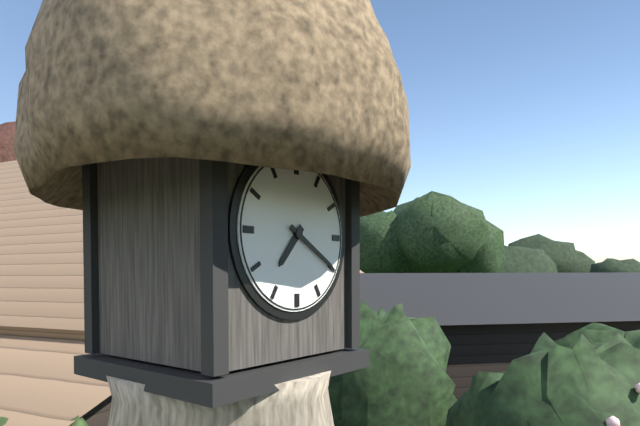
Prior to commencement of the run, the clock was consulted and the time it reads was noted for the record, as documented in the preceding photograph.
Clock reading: 7:20
